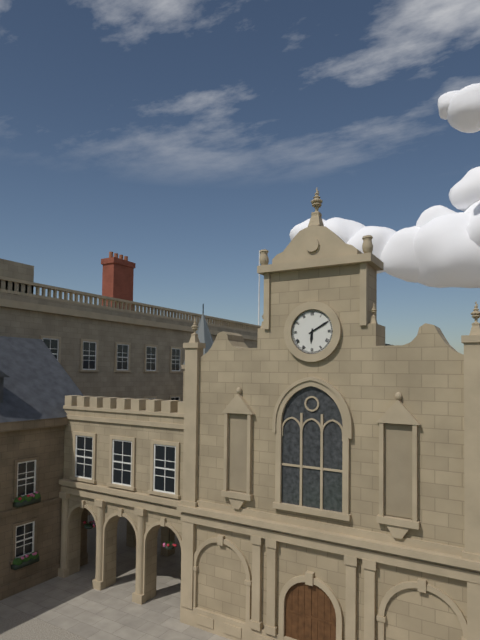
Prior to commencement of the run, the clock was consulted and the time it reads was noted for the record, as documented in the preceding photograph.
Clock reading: 6:10
